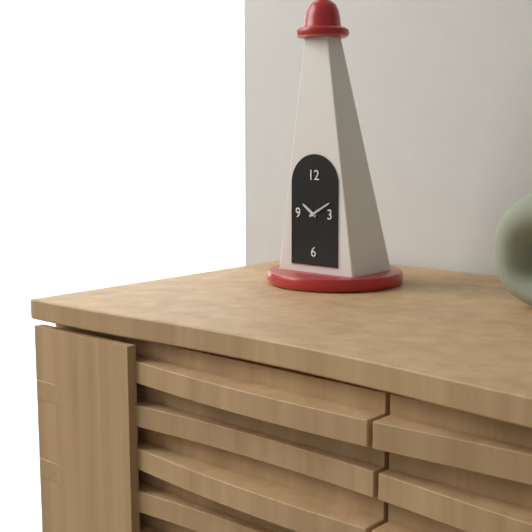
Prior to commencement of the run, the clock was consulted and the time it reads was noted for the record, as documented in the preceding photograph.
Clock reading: 10:10
